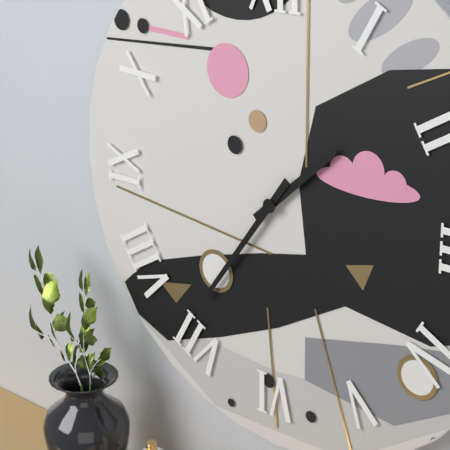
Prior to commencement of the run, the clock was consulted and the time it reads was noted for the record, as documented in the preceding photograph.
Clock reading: 1:36
